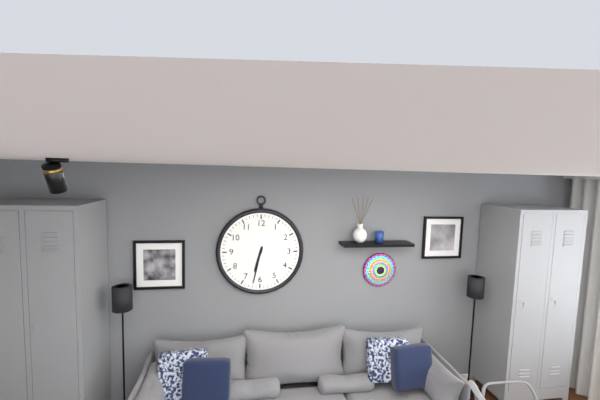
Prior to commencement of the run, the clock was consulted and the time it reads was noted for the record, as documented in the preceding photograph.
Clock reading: 6:32
